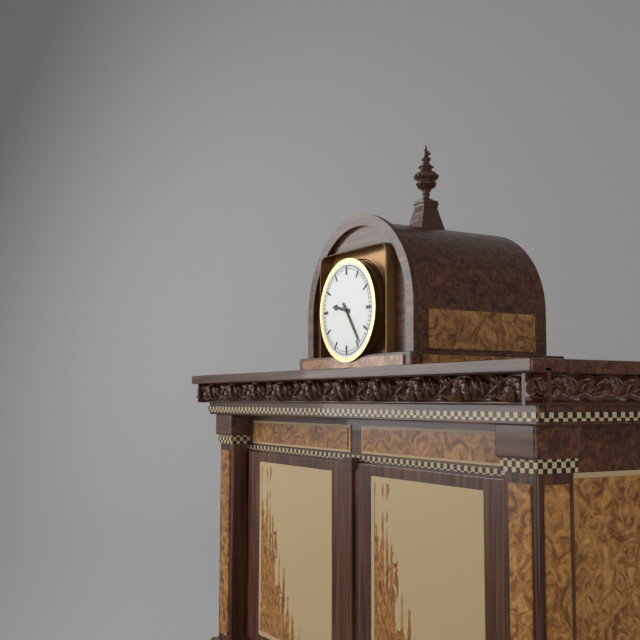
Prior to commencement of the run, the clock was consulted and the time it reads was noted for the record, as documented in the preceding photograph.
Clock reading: 9:24
